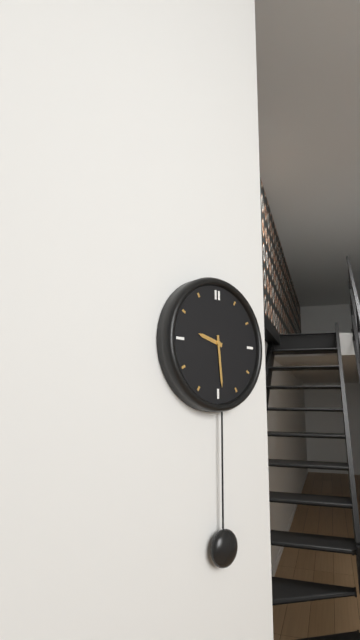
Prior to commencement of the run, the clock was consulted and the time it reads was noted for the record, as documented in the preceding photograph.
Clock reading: 9:29
